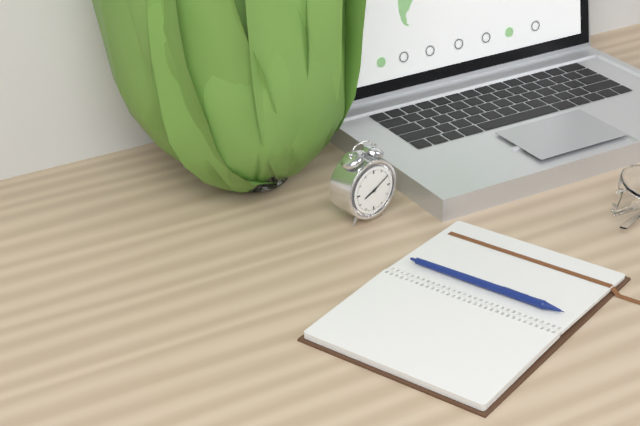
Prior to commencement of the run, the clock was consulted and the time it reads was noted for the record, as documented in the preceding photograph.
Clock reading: 8:10
